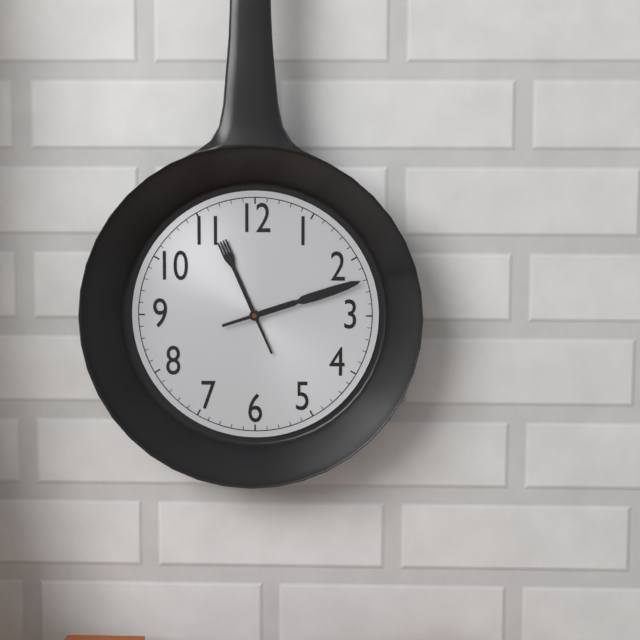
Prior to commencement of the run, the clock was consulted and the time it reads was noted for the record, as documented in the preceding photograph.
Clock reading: 11:12
